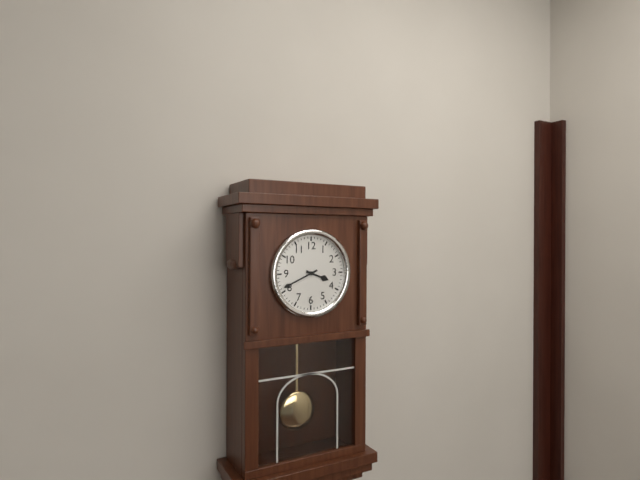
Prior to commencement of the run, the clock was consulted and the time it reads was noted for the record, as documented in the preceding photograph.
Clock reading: 3:41
